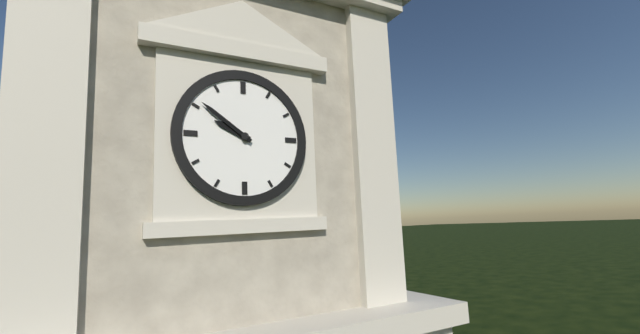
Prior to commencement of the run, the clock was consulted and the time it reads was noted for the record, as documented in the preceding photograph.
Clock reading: 9:51
